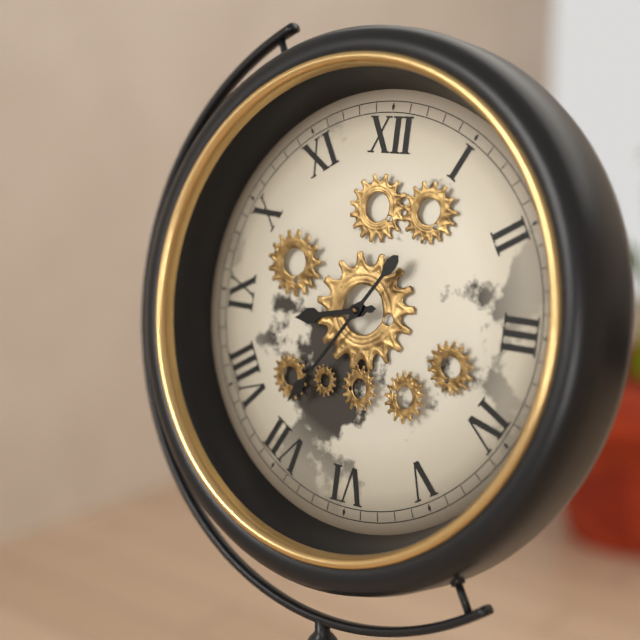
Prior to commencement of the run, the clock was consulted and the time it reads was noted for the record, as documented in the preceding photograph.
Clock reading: 8:36
